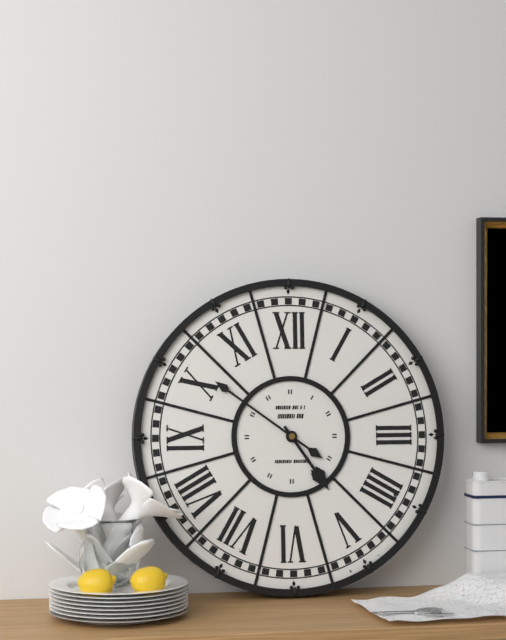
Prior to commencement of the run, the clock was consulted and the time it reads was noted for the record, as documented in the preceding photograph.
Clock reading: 4:51
